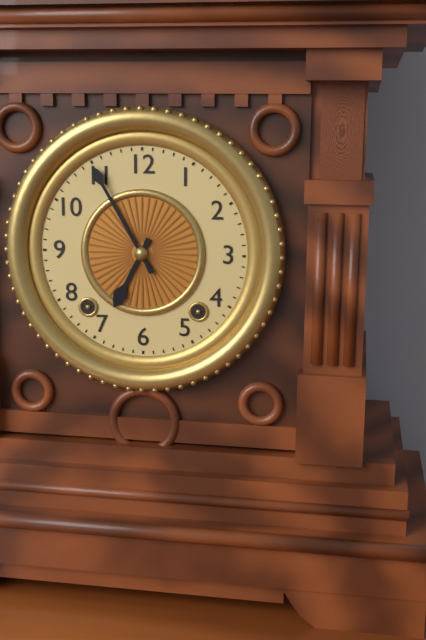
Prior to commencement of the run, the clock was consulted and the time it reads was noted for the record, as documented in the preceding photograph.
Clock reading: 6:55
